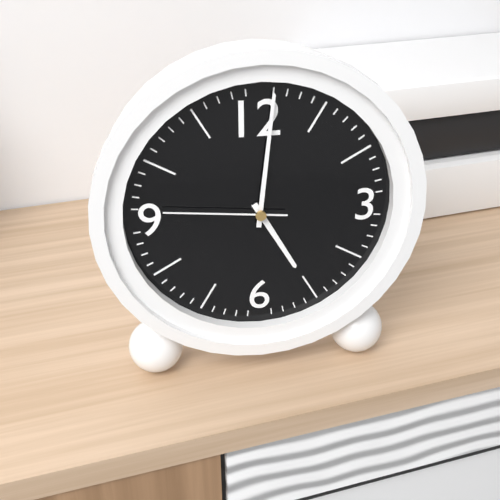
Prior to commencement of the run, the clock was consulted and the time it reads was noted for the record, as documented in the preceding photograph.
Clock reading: 5:01:46
